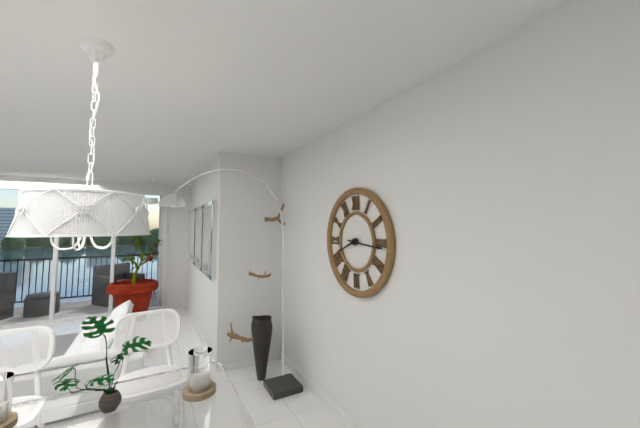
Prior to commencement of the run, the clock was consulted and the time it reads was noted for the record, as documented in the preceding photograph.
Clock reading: 8:16
